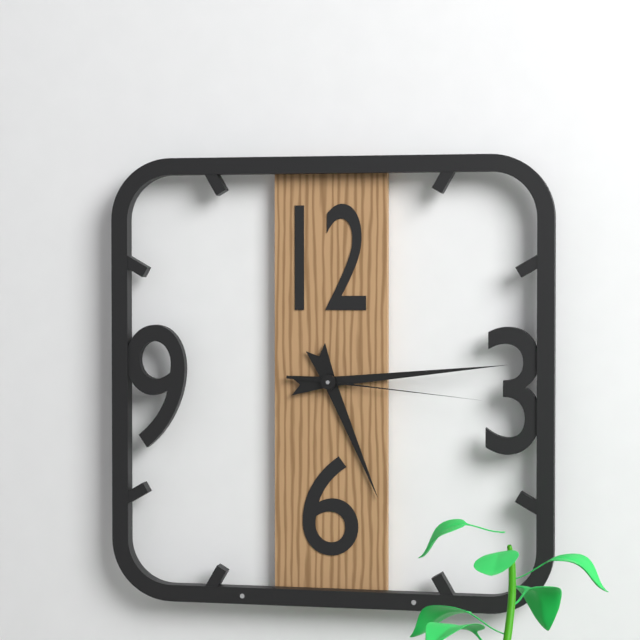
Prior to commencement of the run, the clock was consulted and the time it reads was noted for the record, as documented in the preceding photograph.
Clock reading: 5:14:16
